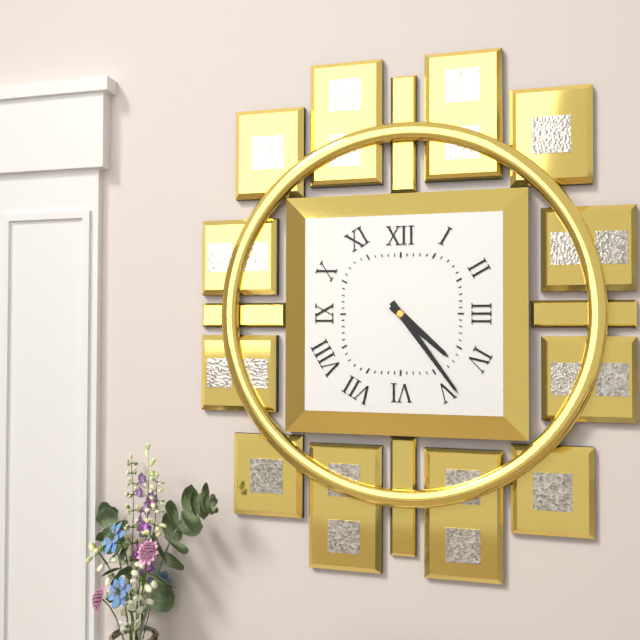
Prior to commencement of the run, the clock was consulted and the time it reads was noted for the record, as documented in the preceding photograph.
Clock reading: 4:24
